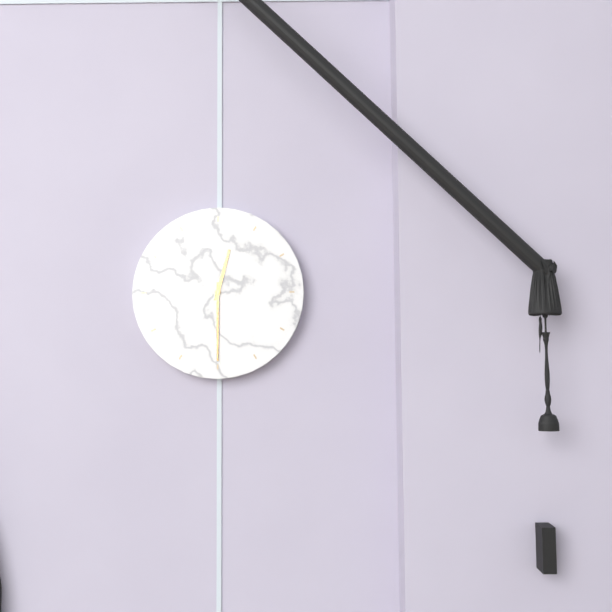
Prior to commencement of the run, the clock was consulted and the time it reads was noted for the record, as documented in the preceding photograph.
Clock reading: 12:30
